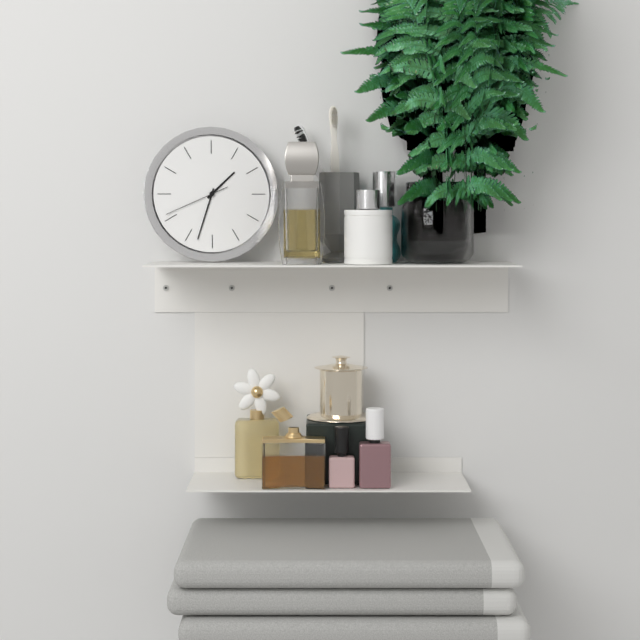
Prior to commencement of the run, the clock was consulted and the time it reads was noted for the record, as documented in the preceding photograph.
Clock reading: 1:33:41
